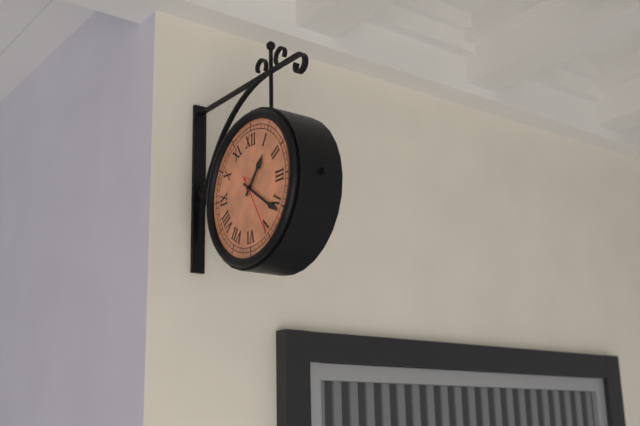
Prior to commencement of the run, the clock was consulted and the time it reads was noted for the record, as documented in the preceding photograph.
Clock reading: 1:21:25
